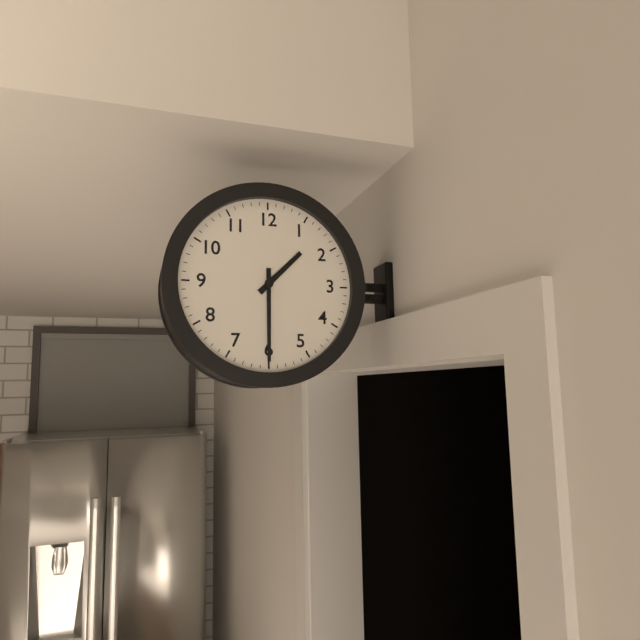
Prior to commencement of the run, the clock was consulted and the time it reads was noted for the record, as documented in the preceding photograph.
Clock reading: 1:30
